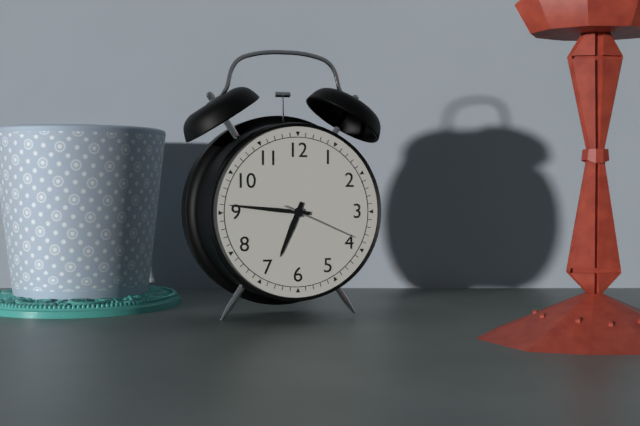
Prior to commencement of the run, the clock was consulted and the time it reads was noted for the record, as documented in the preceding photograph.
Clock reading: 6:46:19
